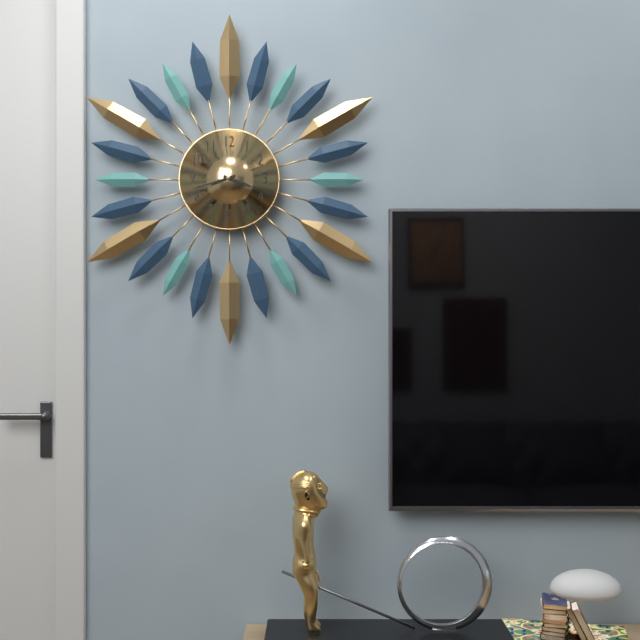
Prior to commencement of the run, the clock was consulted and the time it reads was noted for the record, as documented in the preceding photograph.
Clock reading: 3:42
